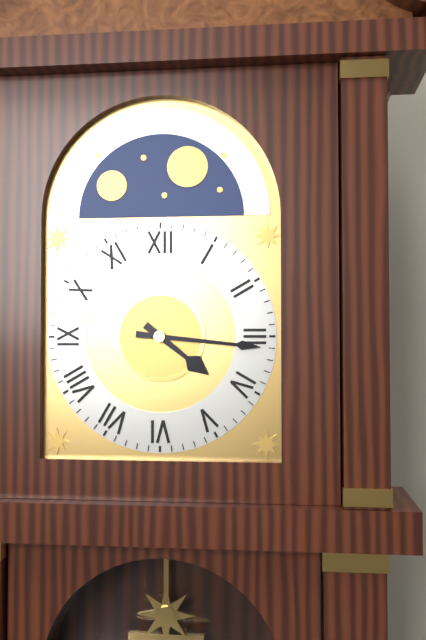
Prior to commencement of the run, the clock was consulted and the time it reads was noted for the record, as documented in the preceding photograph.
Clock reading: 4:16
